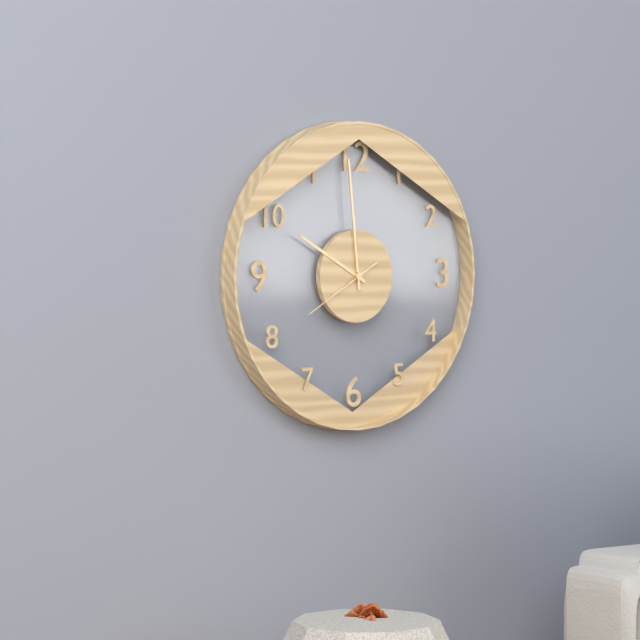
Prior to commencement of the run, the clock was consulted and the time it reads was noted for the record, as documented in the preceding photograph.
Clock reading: 9:59:40
